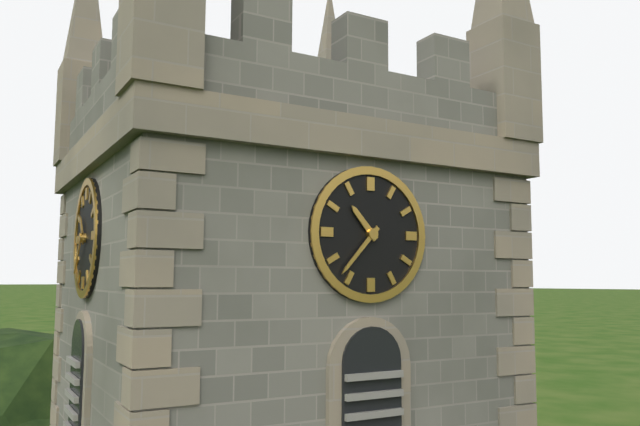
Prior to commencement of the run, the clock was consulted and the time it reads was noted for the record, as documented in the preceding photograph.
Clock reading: 10:37
